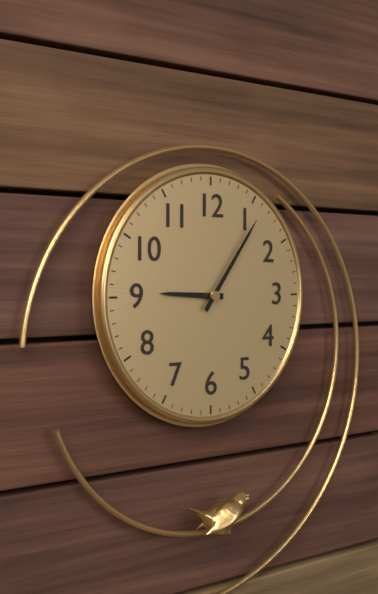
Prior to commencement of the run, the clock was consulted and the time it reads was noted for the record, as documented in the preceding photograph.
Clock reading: 9:06
